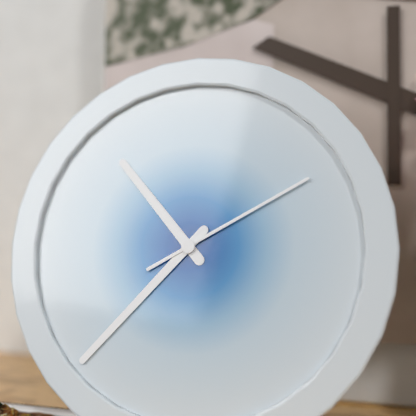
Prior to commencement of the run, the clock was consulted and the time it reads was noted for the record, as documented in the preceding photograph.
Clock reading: 10:37:10
